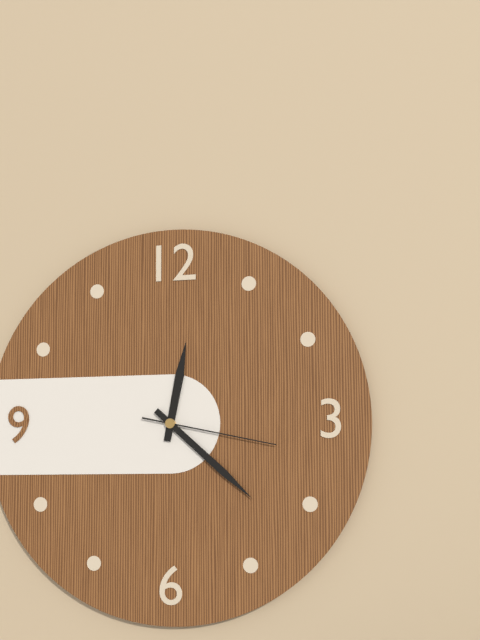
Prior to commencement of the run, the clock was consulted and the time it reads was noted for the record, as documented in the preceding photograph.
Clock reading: 12:22:17
